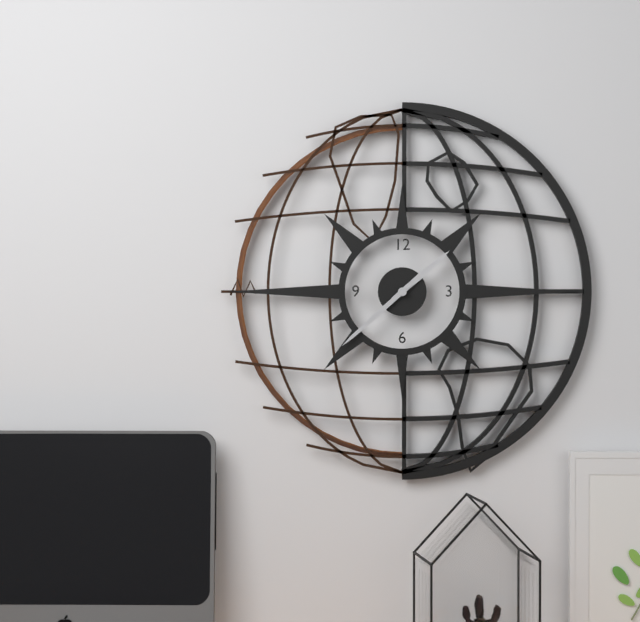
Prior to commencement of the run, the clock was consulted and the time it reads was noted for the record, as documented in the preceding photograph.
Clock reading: 1:38
